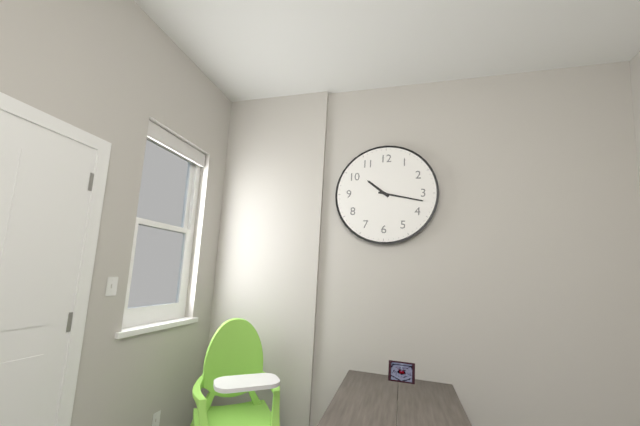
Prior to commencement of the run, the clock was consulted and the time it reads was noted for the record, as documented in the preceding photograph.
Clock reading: 10:17
